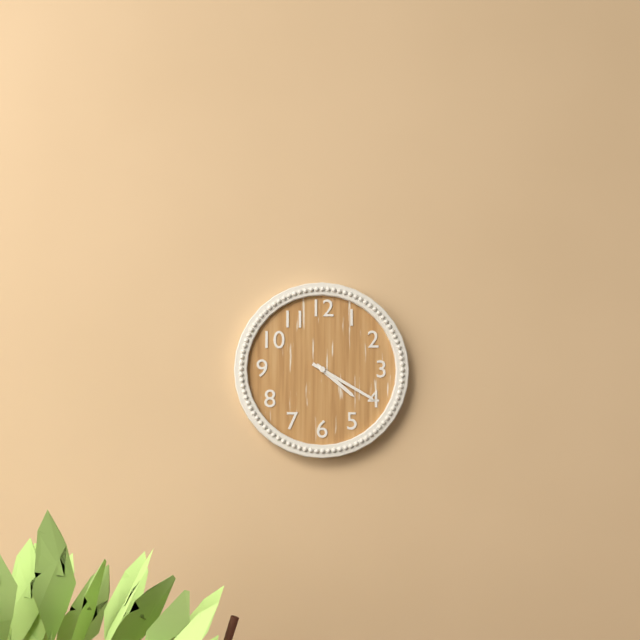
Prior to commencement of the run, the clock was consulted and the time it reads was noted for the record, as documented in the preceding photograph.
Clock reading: 4:20
